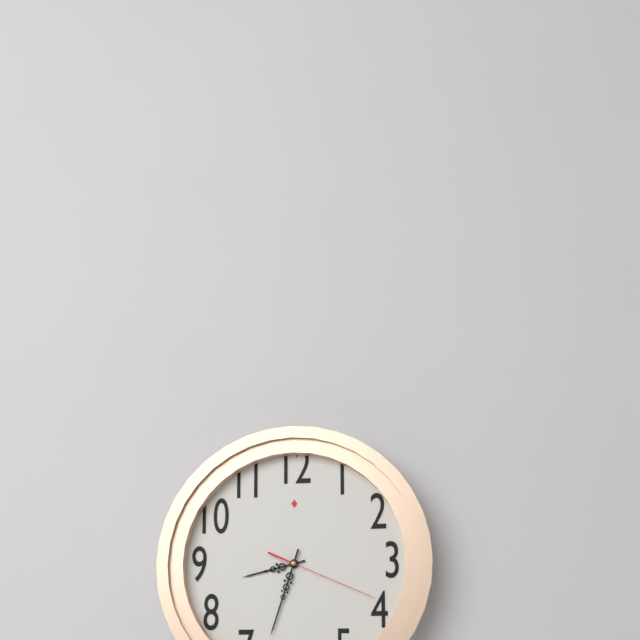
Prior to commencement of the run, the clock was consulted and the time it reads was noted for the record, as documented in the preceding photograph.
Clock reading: 8:33:19
